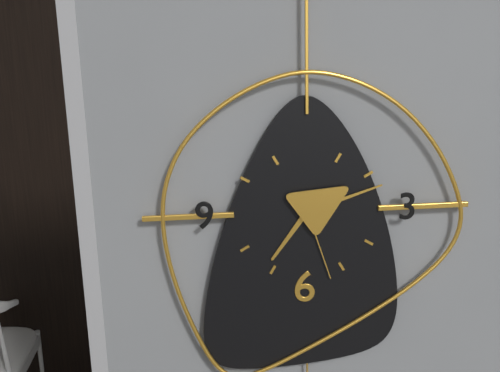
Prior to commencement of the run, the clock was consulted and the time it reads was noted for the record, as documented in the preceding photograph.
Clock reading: 7:12:27
